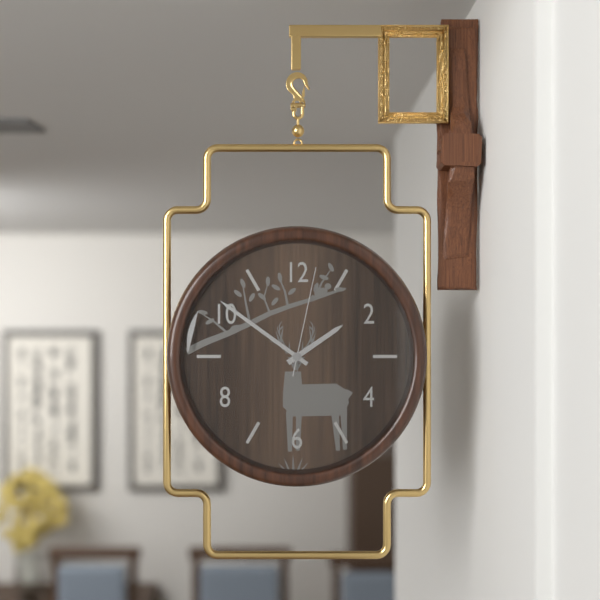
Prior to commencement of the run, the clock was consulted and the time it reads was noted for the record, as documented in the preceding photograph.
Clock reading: 1:51:02
